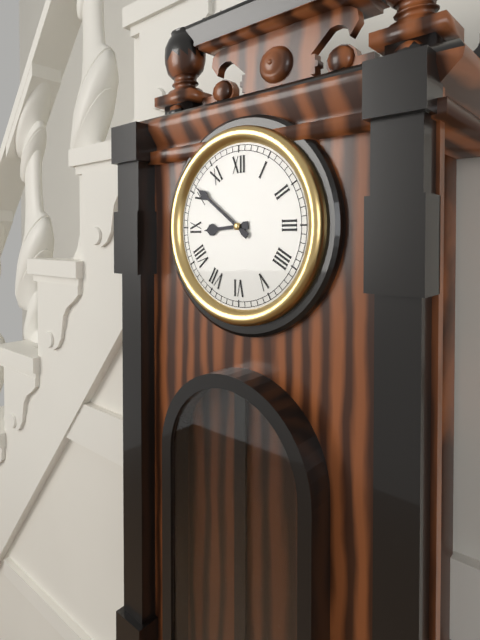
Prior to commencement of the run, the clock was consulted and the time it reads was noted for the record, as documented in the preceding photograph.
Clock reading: 8:51
